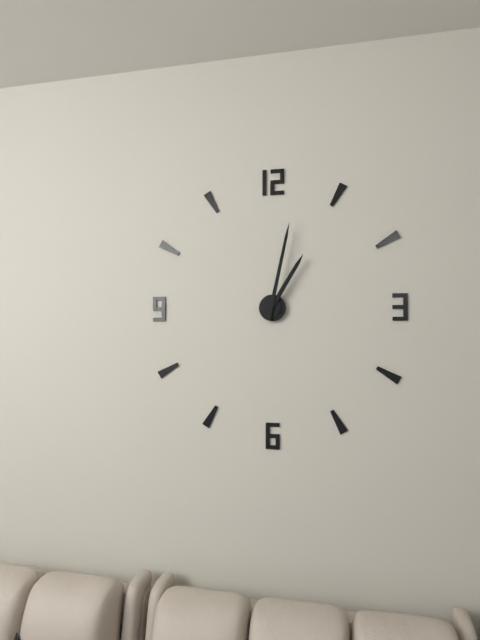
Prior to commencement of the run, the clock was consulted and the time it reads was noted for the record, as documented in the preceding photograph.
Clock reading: 1:02
